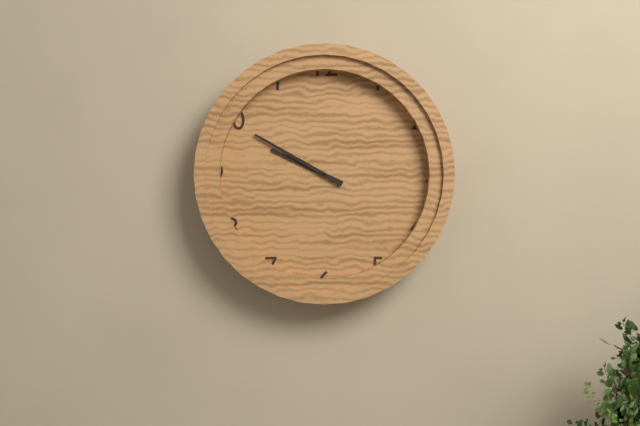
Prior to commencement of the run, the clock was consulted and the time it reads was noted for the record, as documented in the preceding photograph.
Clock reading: 9:50
